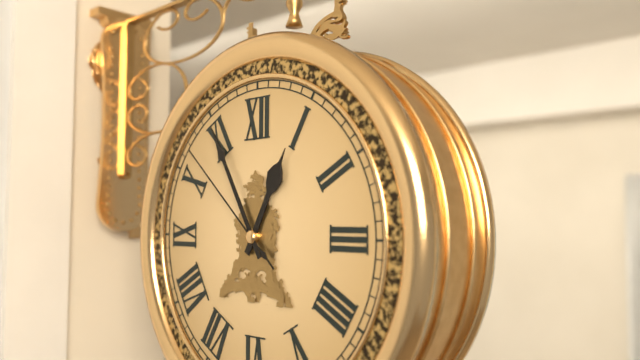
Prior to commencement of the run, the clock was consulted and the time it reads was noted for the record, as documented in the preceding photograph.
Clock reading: 12:55:52
